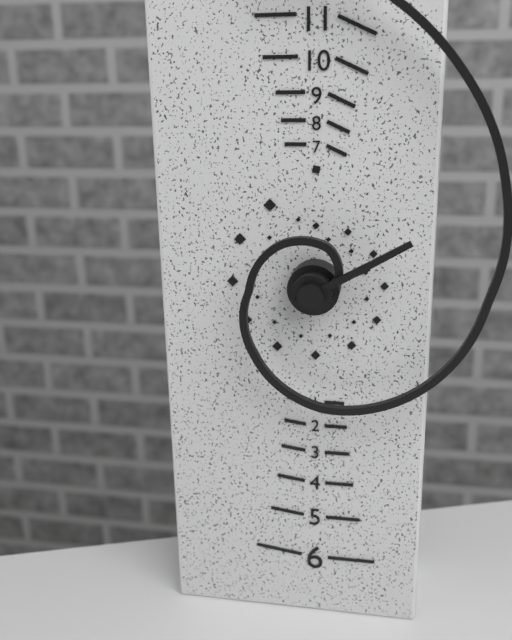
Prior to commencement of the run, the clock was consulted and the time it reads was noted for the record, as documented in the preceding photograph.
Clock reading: 2:10
